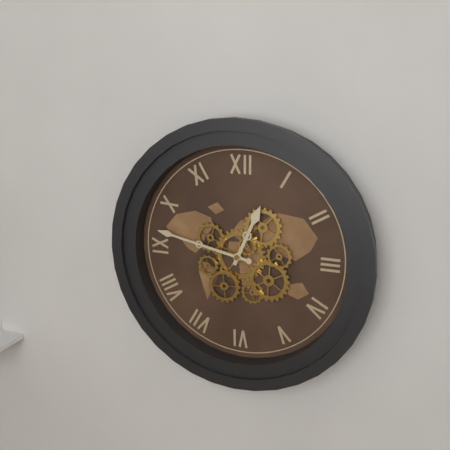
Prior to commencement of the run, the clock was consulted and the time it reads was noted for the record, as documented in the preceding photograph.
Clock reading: 12:47
